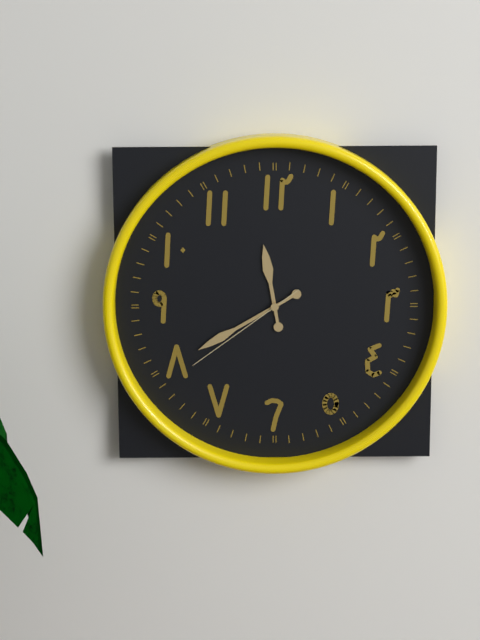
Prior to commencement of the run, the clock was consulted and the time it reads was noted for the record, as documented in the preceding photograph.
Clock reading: 11:40:39
